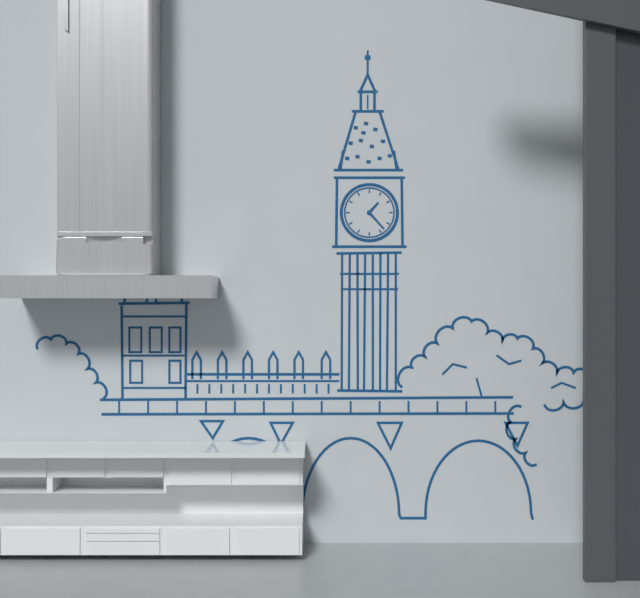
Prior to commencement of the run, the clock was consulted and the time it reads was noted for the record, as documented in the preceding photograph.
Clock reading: 1:23
